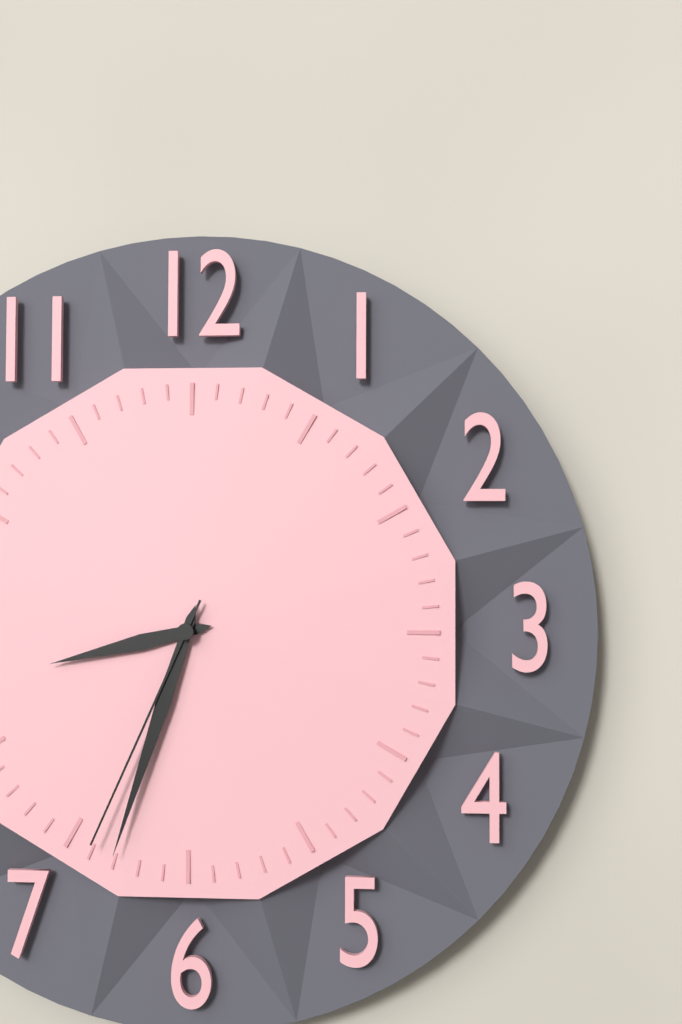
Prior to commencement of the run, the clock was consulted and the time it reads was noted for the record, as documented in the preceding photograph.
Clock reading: 8:33:34
